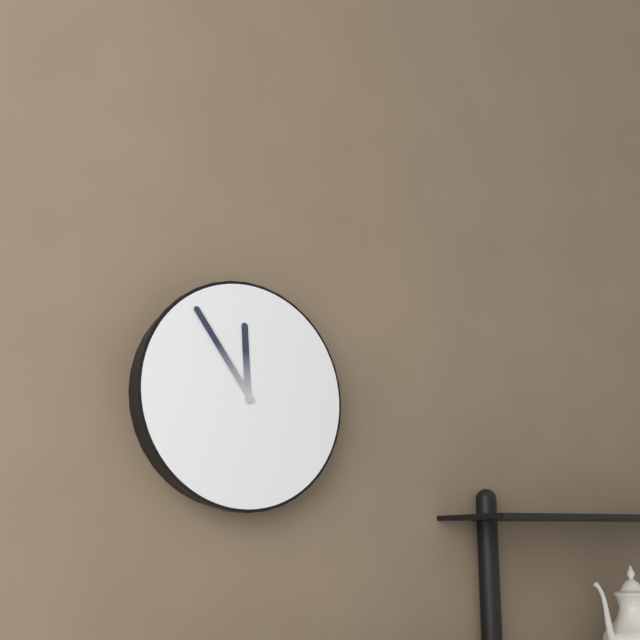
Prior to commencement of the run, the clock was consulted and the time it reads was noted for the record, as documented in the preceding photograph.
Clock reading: 11:54
